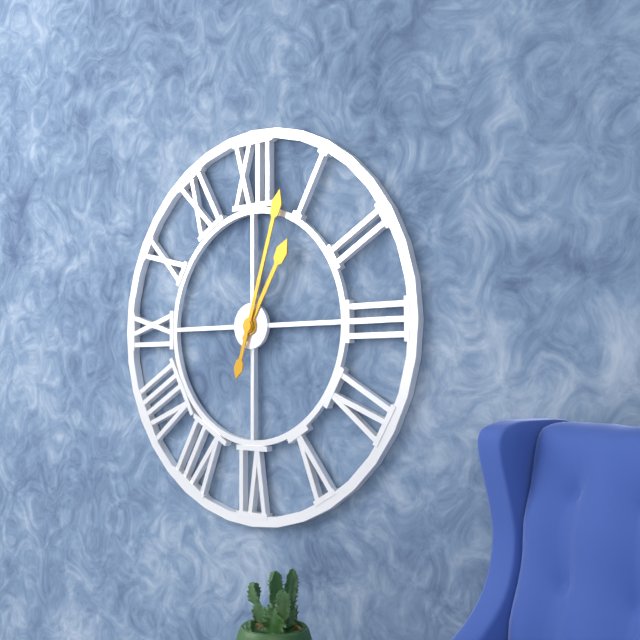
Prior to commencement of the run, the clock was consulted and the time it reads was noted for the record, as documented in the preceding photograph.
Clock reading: 1:03
